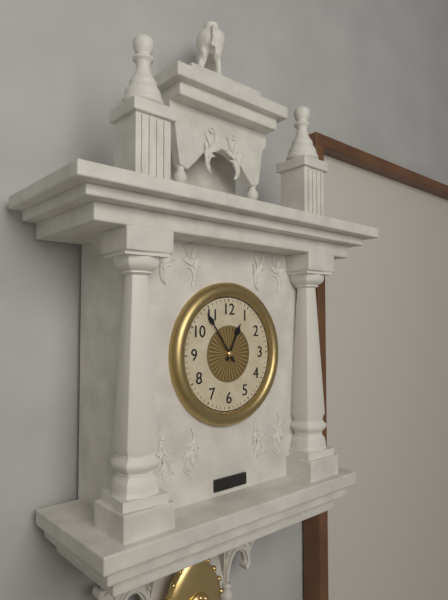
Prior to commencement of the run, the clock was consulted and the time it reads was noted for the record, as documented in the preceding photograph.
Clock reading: 12:54
